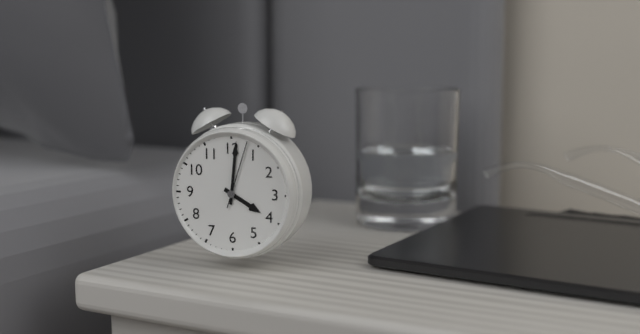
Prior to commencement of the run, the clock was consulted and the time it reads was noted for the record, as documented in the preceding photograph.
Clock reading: 4:01:03
